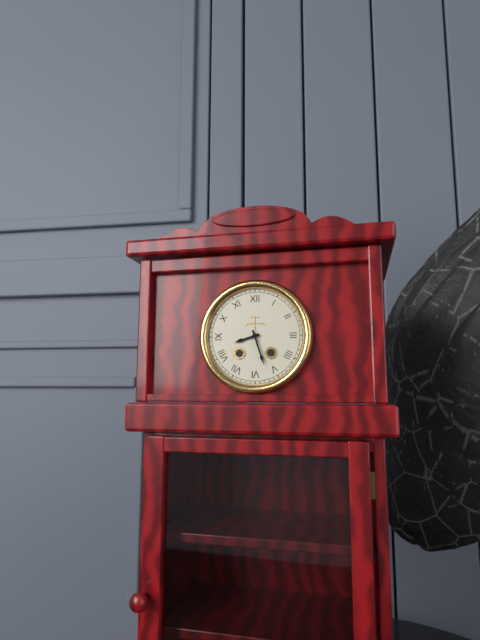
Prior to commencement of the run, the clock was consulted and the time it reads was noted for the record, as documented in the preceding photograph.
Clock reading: 8:27
